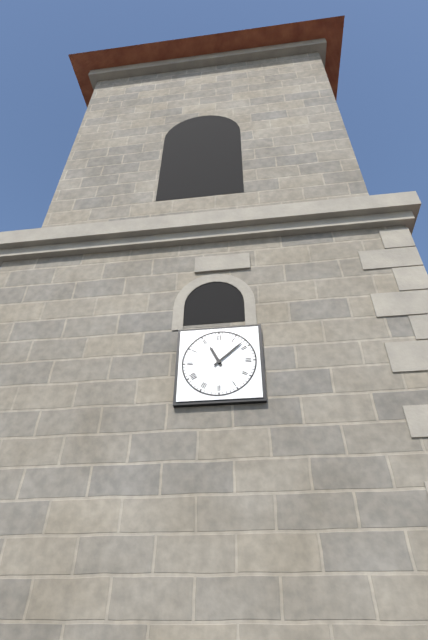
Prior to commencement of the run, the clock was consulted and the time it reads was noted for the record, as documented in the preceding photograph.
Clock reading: 11:08
